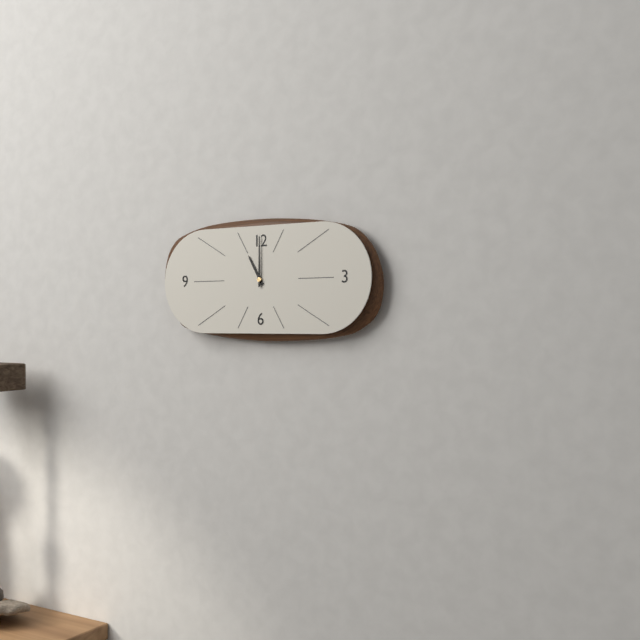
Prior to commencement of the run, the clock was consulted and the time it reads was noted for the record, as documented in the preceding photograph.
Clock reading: 11:00
